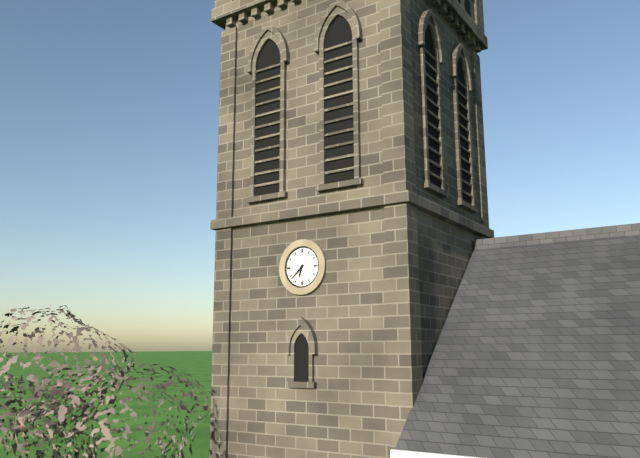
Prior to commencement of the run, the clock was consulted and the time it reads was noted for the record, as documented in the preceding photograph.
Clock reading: 6:38
